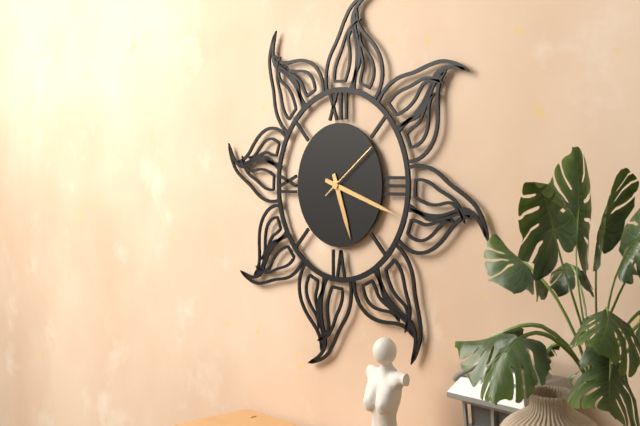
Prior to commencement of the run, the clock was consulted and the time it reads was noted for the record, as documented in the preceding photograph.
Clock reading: 5:18:09
